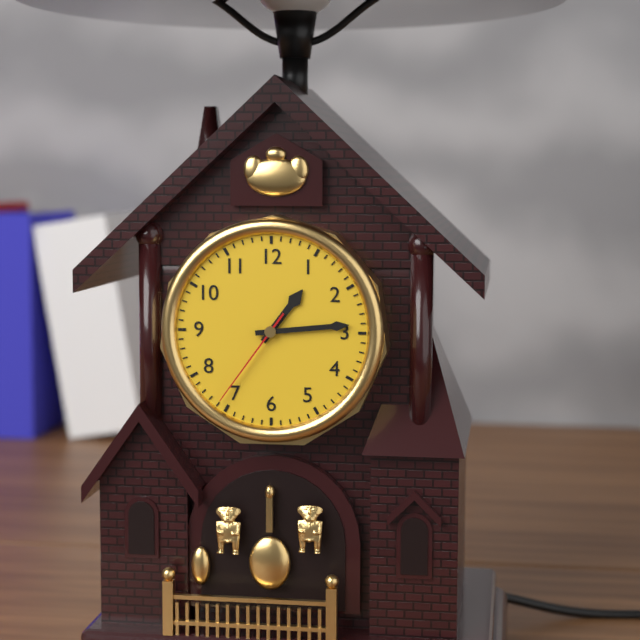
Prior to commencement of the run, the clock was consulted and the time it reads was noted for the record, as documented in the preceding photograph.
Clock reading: 1:14:36
